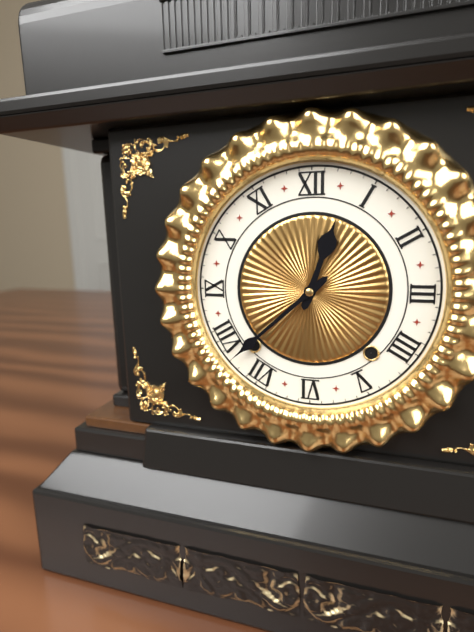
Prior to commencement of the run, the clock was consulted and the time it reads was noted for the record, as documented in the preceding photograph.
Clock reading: 12:38
